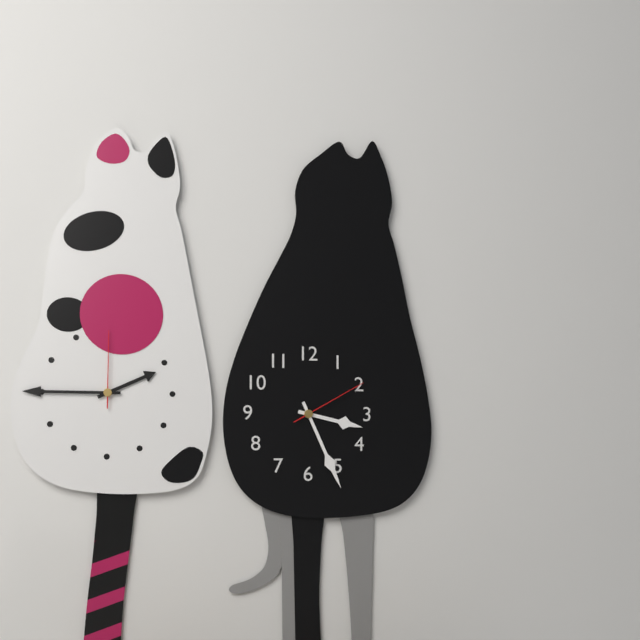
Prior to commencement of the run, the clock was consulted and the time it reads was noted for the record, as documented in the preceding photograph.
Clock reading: 3:26:10
